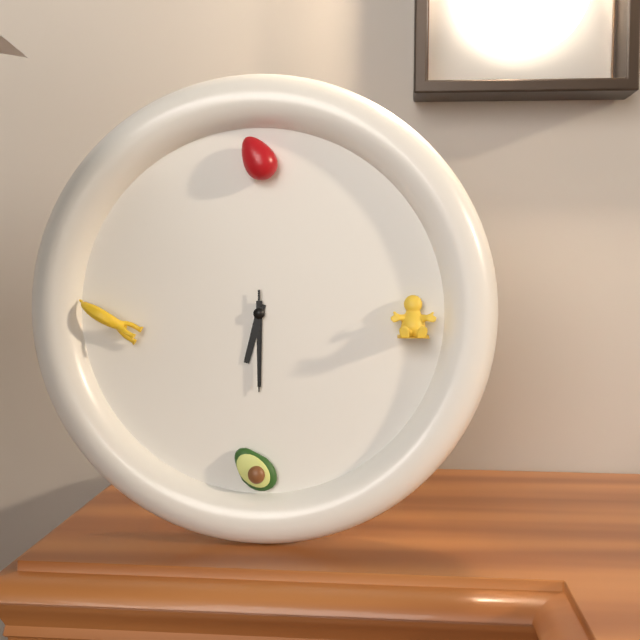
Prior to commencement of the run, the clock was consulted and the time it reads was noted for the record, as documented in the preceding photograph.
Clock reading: 6:30:30
